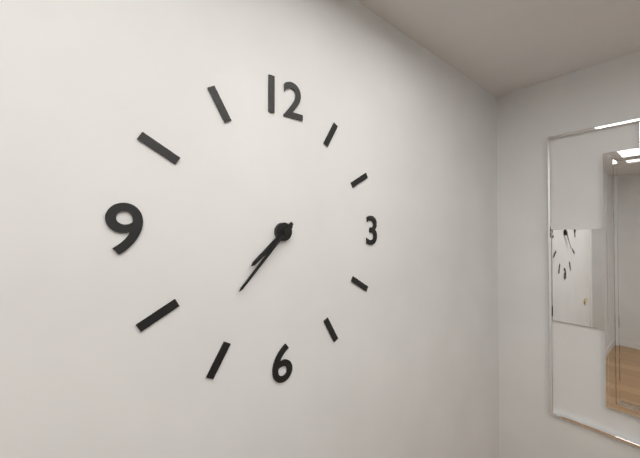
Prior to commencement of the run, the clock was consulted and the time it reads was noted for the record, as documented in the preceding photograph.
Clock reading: 7:37
